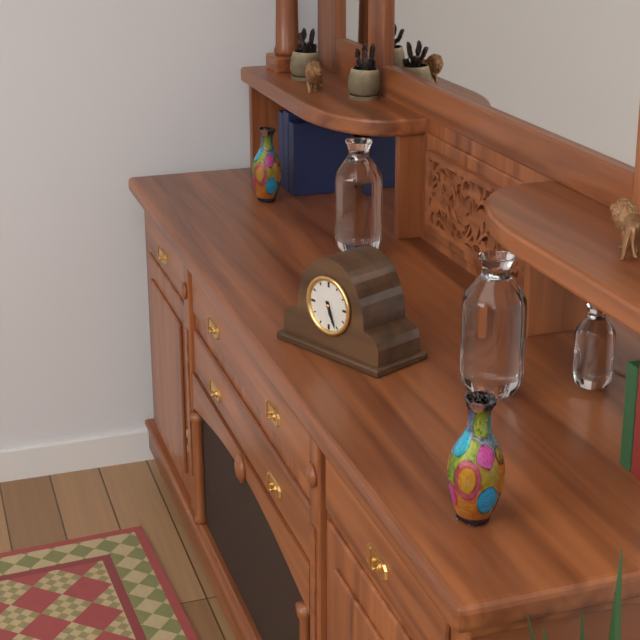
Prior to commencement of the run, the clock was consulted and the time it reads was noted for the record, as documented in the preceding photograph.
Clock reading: 5:26
